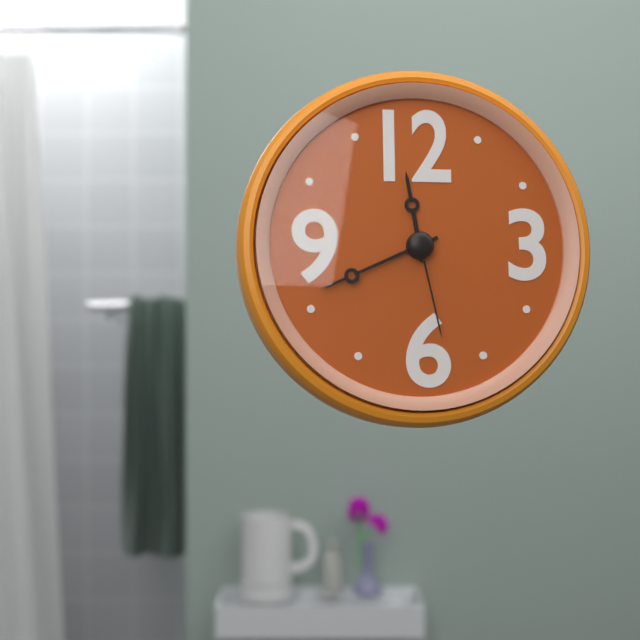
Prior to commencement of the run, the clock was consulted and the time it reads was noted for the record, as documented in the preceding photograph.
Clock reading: 11:41:28
